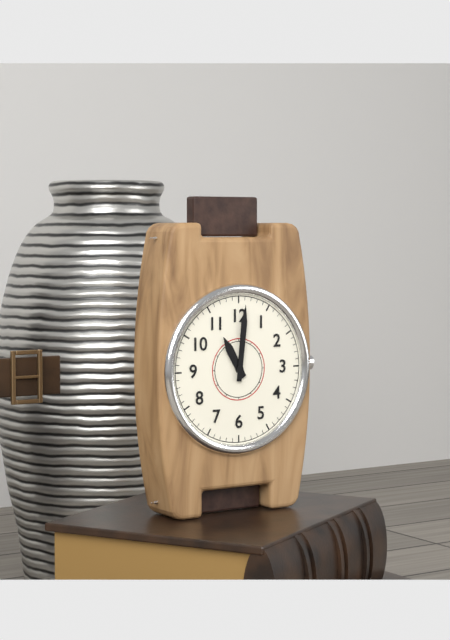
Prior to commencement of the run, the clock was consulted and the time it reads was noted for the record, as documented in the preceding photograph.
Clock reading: 11:01
